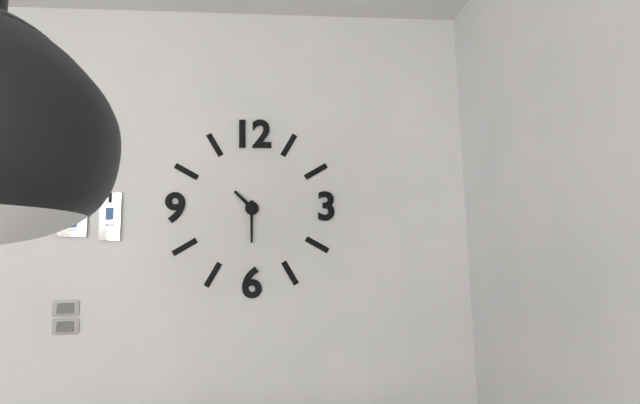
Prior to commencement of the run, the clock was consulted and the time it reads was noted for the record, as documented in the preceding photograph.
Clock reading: 10:30
